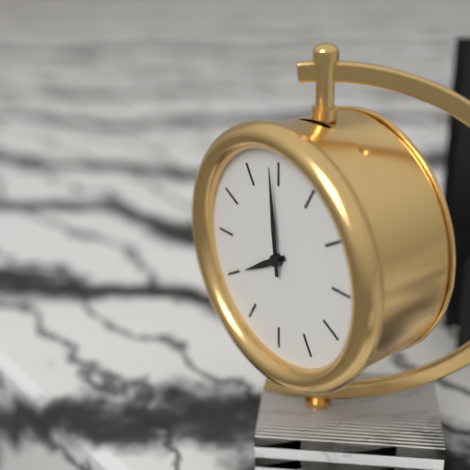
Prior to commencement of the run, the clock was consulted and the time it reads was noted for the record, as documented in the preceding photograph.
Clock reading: 7:59
